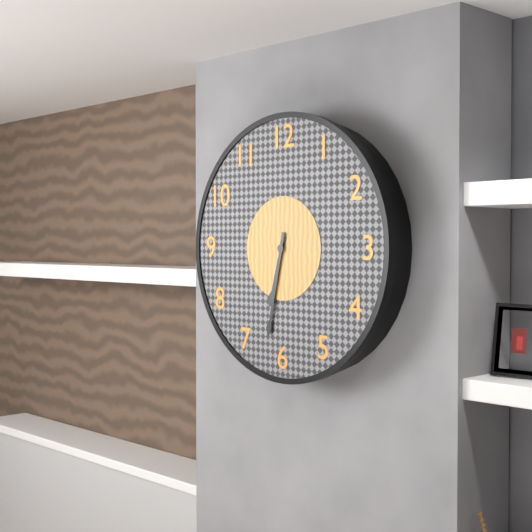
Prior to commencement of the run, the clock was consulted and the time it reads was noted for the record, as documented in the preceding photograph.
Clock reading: 6:32
